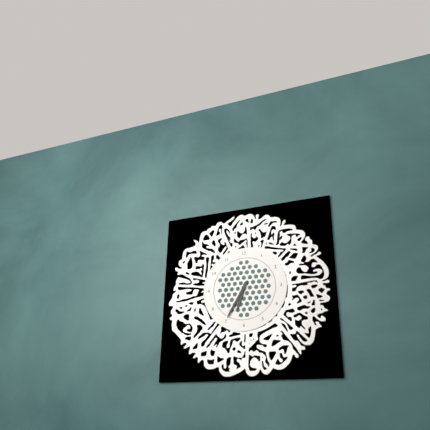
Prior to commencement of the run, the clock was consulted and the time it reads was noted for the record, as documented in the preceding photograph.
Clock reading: 6:35
